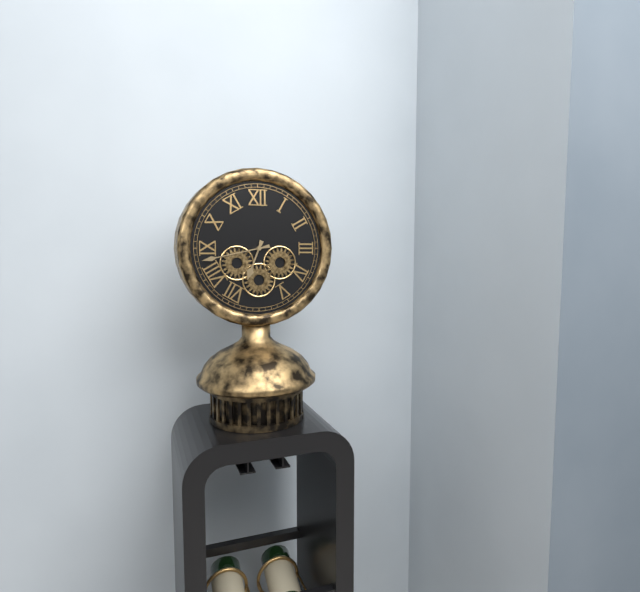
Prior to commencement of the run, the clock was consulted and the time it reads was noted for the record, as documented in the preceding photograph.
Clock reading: 6:43
